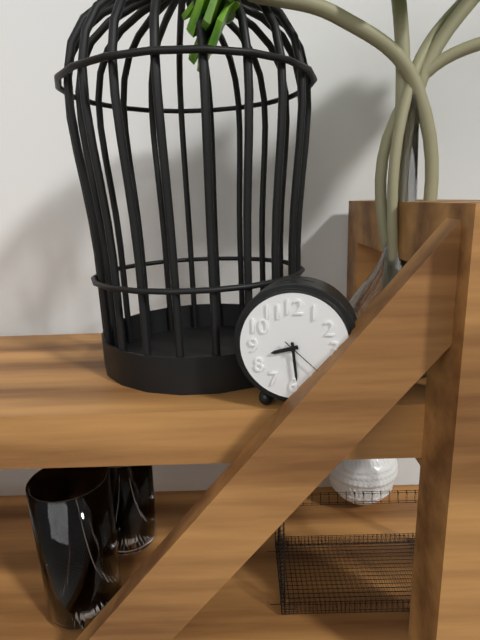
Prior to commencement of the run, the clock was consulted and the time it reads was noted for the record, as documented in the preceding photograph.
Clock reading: 8:29:22
